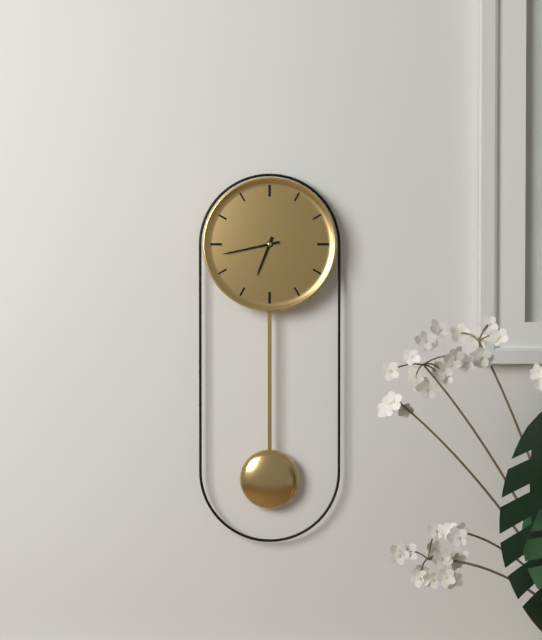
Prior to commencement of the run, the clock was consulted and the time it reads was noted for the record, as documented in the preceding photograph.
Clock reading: 6:43
